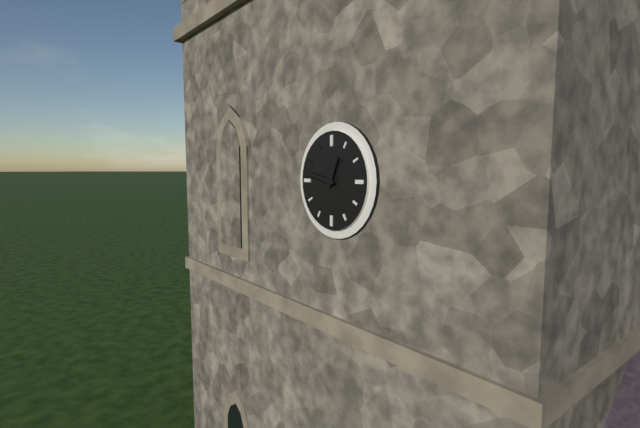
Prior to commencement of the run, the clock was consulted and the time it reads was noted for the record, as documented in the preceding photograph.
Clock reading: 12:47
